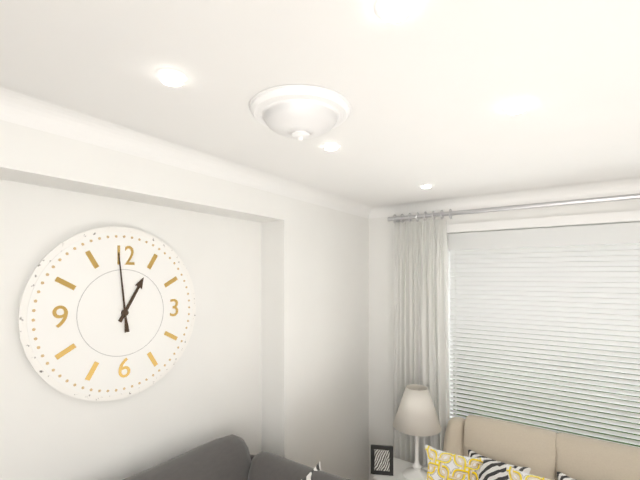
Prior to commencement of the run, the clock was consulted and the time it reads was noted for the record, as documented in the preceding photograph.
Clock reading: 12:59
